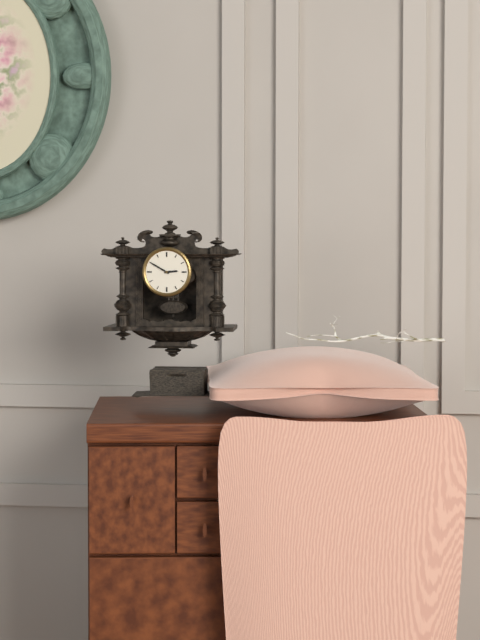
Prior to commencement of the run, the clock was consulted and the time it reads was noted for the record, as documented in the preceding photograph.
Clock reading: 2:50
